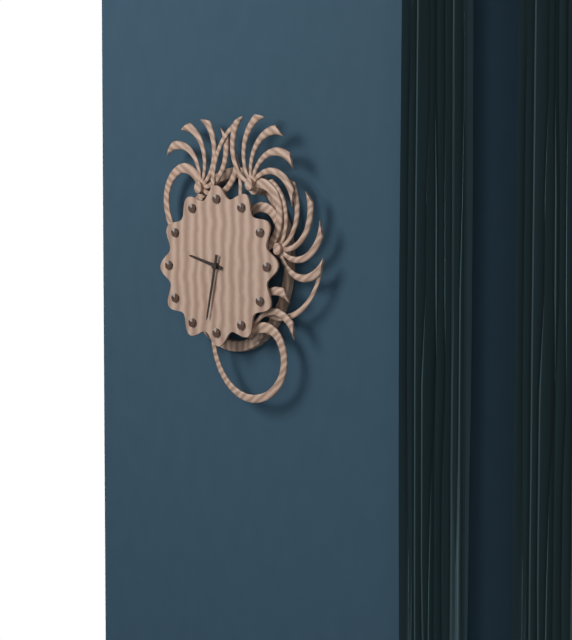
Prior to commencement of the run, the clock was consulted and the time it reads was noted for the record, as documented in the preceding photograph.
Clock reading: 9:32
